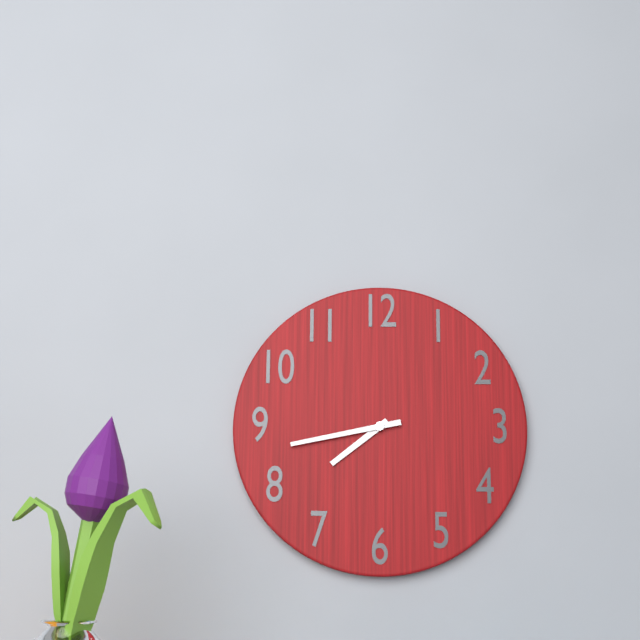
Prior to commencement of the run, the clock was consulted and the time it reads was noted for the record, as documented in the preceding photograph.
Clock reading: 7:43
